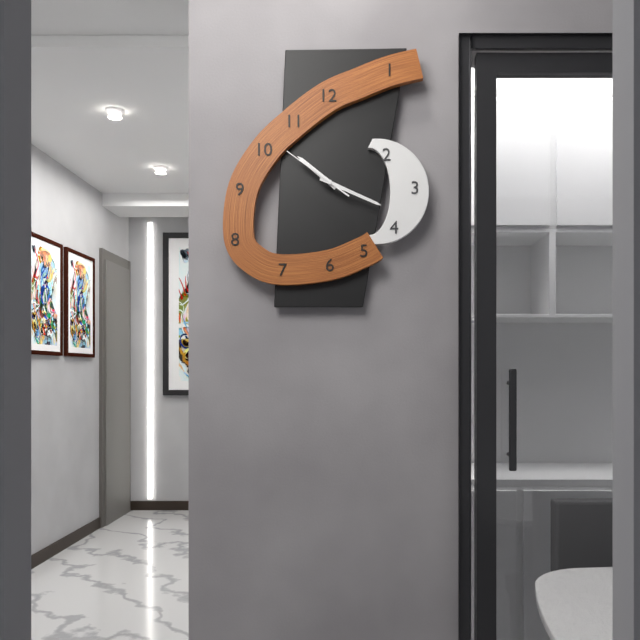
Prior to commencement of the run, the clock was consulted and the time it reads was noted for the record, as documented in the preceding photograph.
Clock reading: 10:19:51
